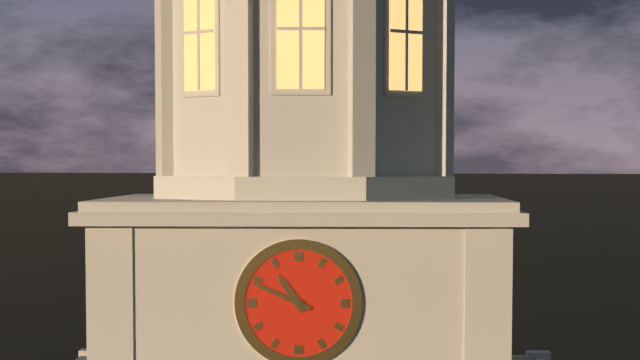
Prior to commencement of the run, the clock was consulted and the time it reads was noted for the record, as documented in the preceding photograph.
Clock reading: 10:49
